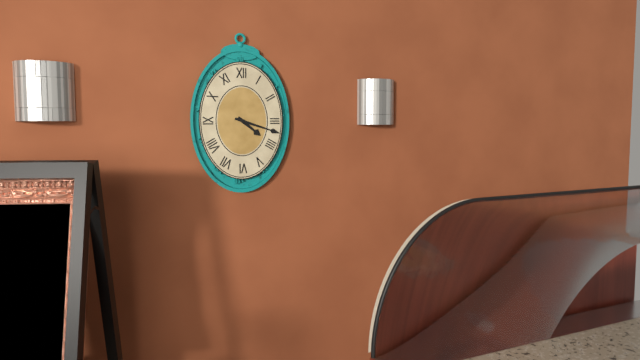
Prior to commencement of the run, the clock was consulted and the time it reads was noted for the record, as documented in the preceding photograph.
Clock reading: 4:18
